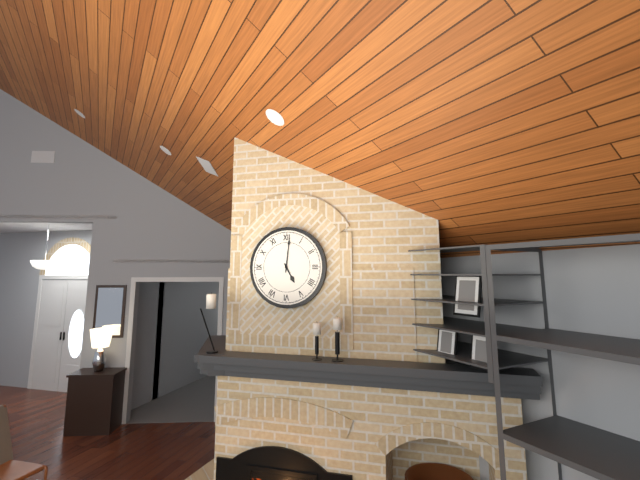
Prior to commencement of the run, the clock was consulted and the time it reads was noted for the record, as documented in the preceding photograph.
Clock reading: 5:01
